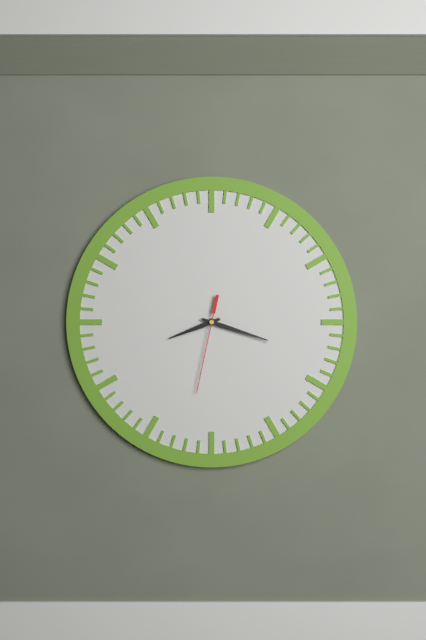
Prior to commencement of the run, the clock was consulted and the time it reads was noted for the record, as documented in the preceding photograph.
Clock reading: 8:18:32
